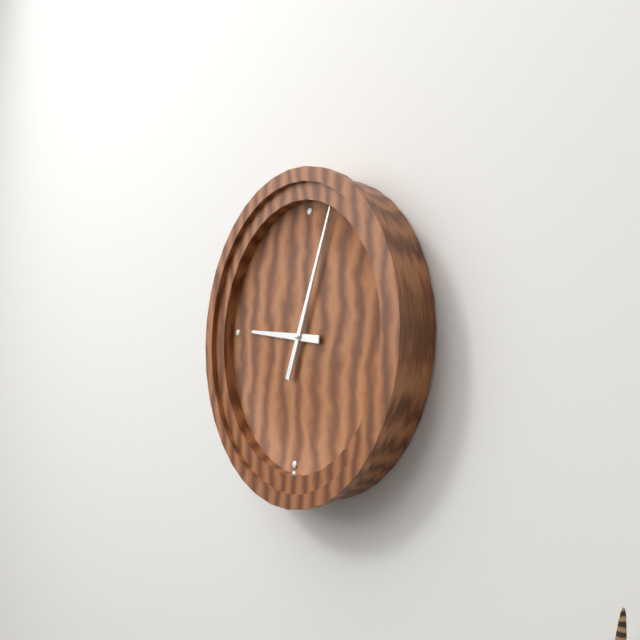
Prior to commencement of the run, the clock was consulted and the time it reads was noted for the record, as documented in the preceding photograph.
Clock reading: 9:03
